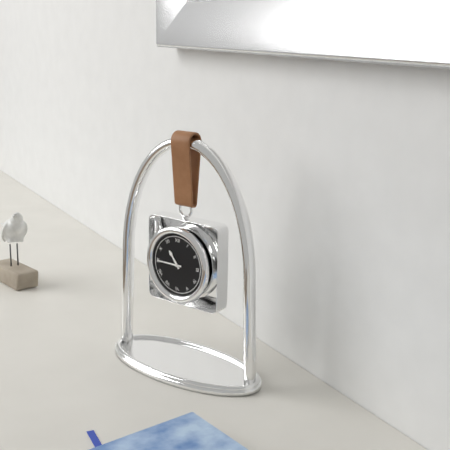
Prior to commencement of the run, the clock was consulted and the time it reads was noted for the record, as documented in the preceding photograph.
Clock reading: 10:45
